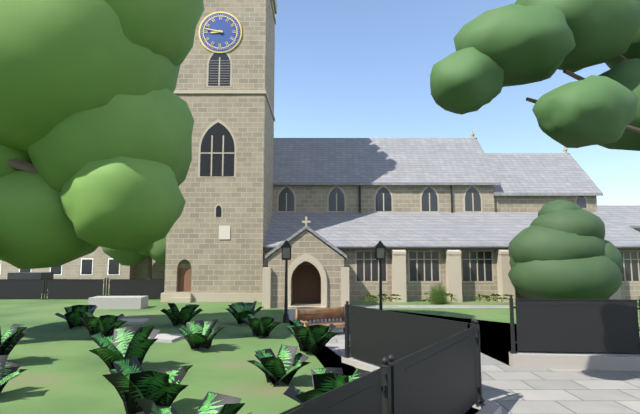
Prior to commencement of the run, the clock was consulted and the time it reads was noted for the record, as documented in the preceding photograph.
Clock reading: 8:47
